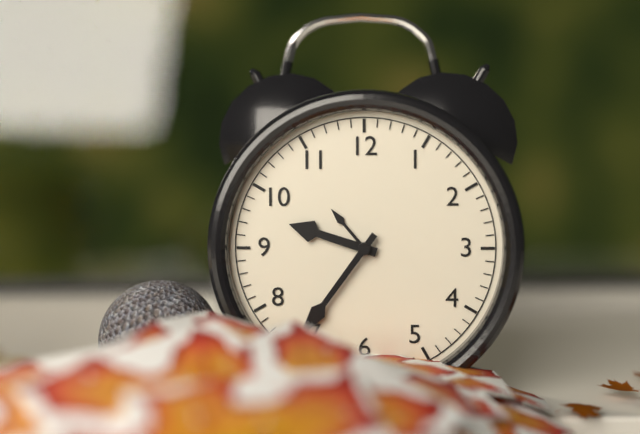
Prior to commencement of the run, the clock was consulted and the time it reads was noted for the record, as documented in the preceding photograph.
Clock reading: 9:36
